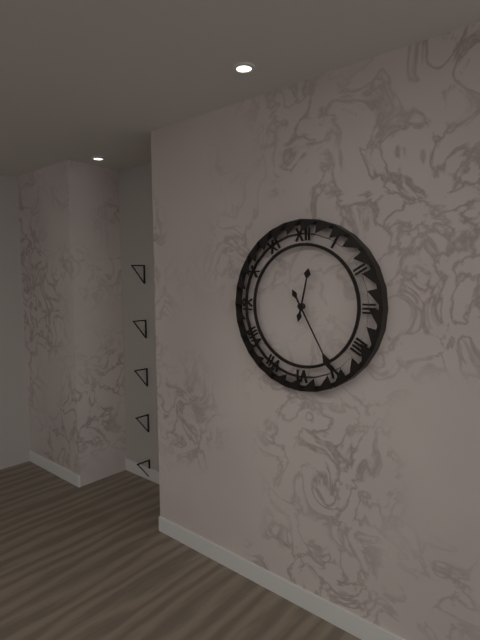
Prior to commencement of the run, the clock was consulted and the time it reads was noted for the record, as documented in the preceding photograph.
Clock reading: 12:25
